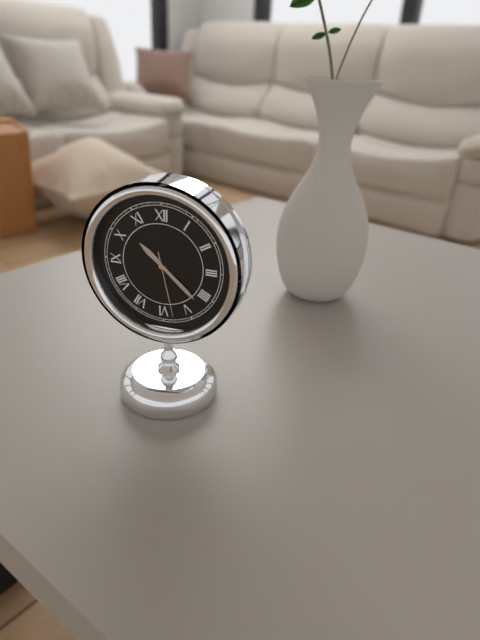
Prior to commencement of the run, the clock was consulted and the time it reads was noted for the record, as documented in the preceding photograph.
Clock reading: 10:22:28
